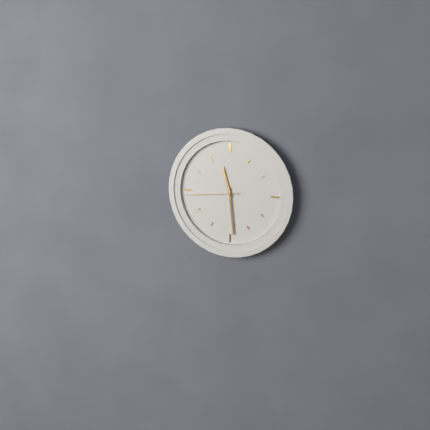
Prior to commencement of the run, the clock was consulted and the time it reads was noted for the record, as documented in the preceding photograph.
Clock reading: 11:29:44
